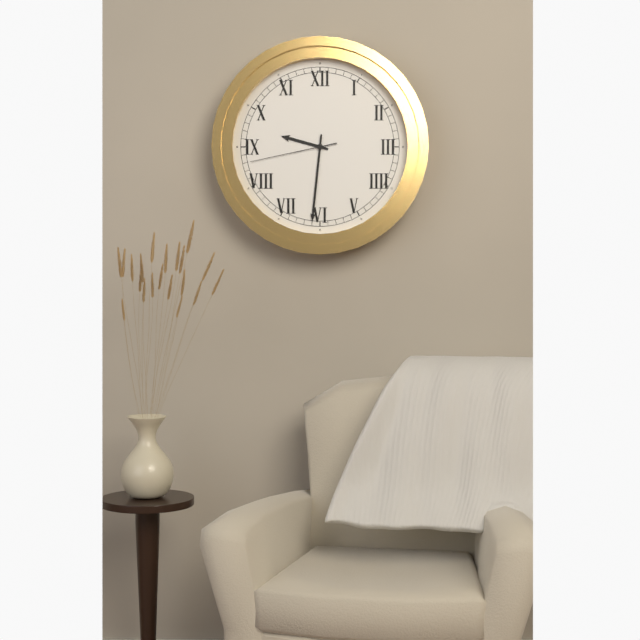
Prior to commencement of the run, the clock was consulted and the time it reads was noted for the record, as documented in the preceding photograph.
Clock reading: 9:31:43
